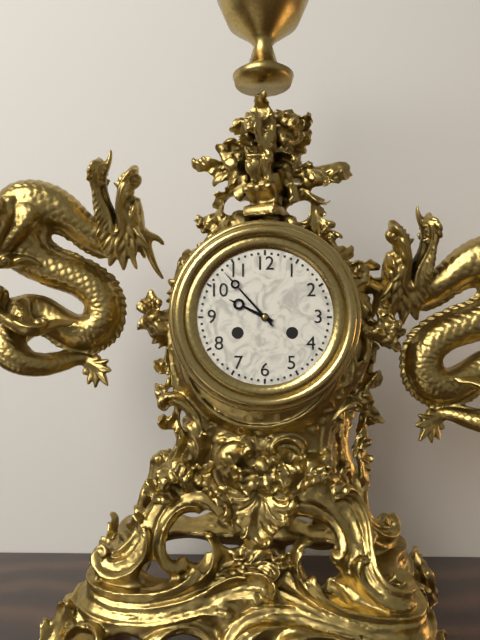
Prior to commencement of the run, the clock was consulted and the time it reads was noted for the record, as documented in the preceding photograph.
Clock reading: 9:53
